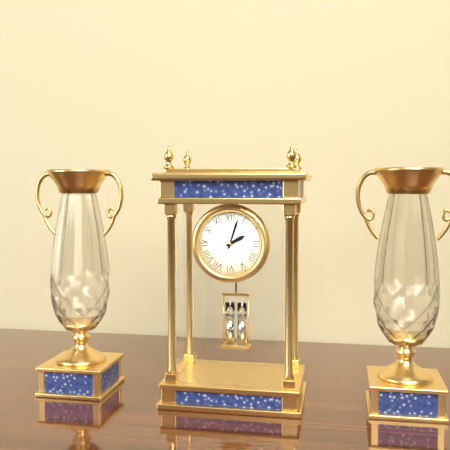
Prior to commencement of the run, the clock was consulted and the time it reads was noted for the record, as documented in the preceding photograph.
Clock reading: 2:03
